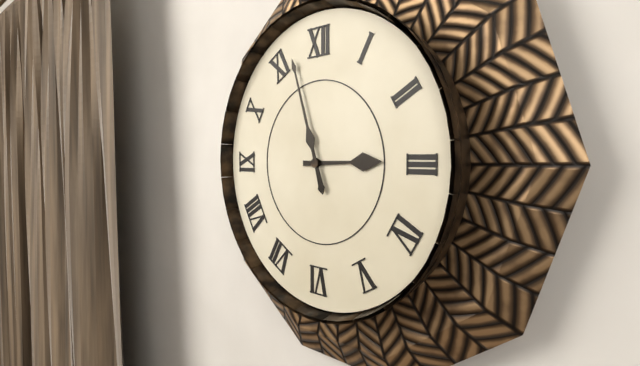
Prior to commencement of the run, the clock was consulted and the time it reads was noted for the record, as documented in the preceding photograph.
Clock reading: 2:57
